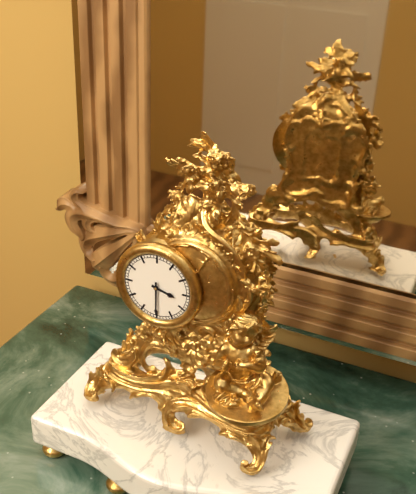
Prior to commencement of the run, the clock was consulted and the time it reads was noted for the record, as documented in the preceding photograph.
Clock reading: 3:30
